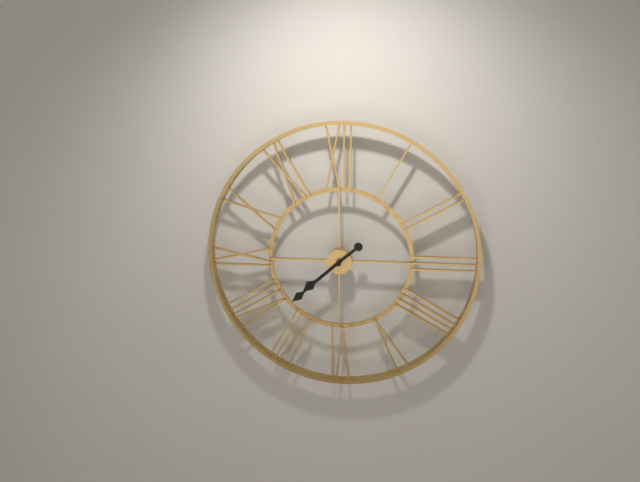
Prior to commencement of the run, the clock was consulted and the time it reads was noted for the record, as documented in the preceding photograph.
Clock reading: 7:38
